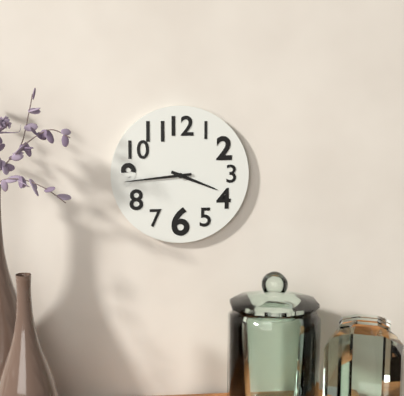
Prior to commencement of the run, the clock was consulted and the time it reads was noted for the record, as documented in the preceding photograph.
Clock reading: 3:44
